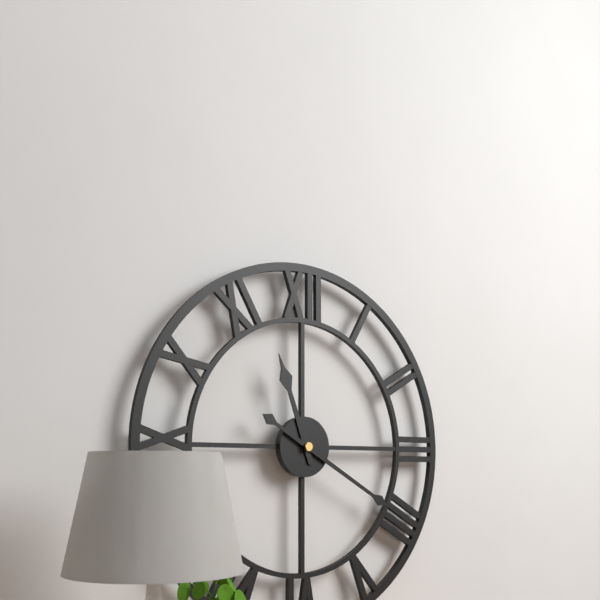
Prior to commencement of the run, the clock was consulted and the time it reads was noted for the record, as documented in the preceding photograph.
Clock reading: 11:20
